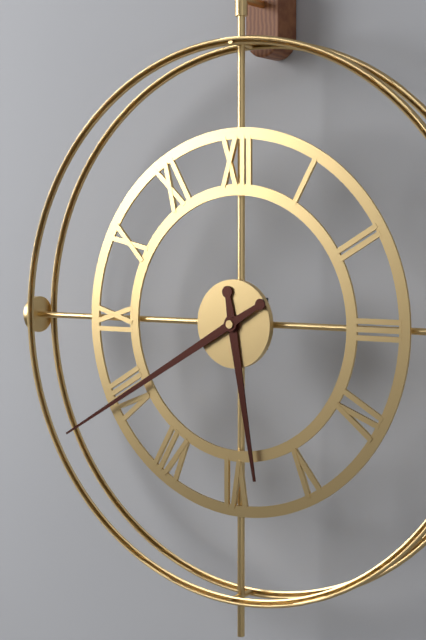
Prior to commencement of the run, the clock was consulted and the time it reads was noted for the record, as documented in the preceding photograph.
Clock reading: 5:40
